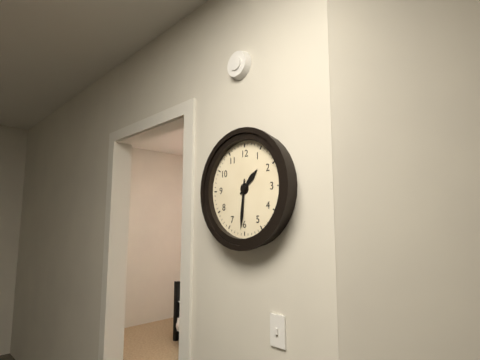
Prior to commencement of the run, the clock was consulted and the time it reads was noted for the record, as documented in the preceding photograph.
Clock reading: 1:31
